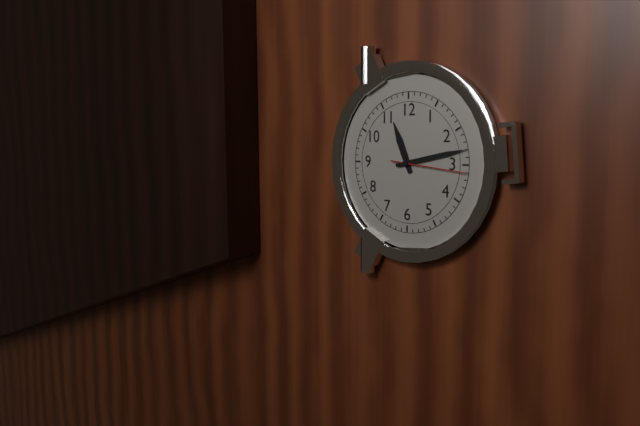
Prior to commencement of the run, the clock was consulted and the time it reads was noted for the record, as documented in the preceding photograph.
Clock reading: 11:13:16
